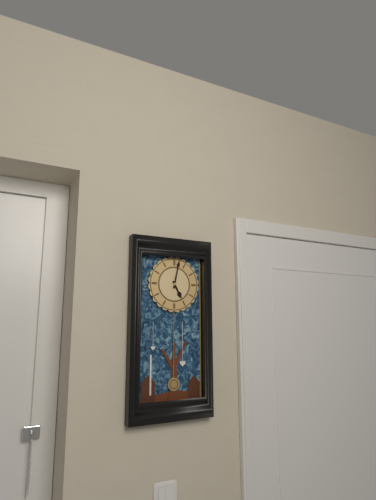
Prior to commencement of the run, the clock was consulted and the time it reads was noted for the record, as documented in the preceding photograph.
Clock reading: 5:02
